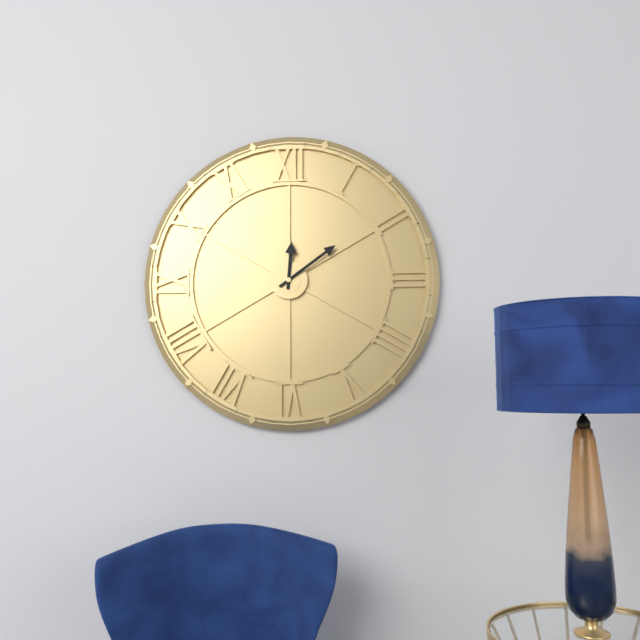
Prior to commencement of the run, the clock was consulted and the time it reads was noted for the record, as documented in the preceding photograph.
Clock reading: 12:09
